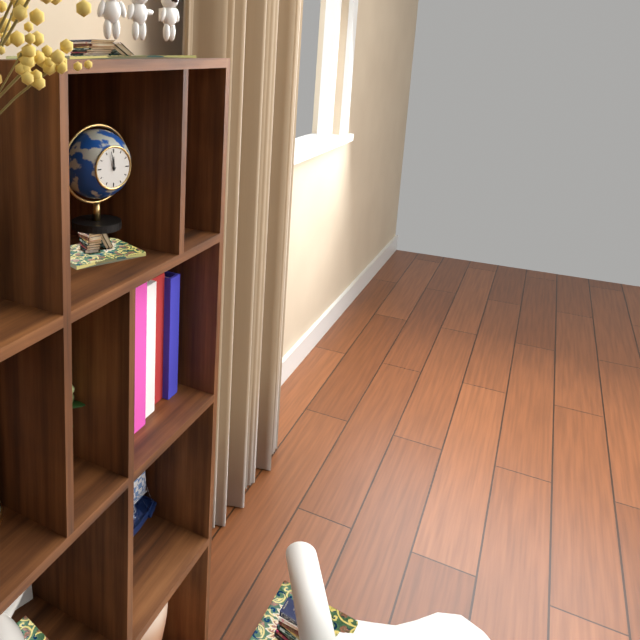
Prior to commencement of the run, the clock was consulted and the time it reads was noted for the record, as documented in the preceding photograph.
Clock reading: 11:58
